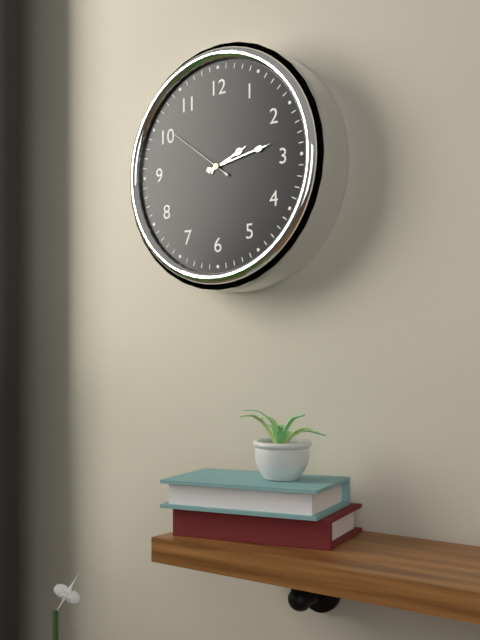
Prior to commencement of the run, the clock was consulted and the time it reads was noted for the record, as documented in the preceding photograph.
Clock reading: 2:13:51
